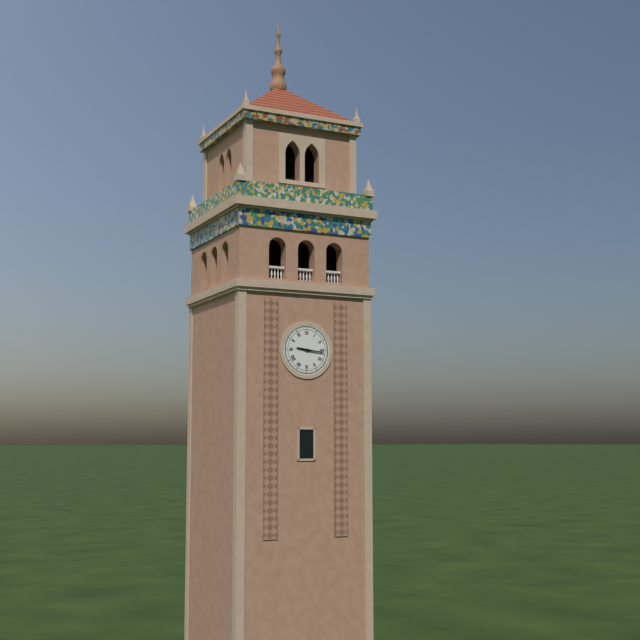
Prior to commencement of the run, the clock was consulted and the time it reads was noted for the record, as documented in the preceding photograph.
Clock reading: 9:16
